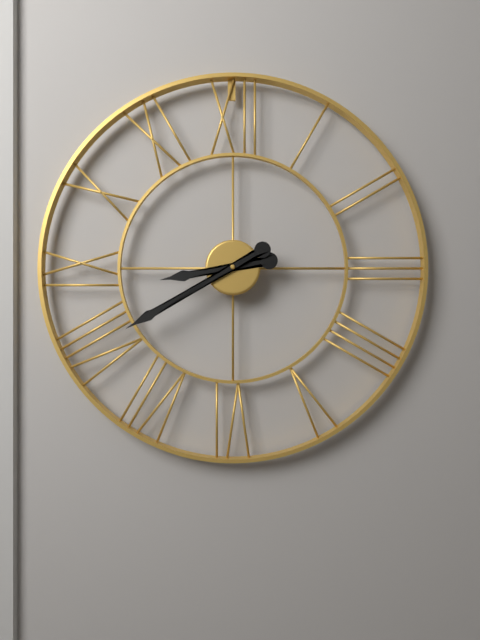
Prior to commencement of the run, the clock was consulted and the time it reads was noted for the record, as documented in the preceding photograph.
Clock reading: 8:40
